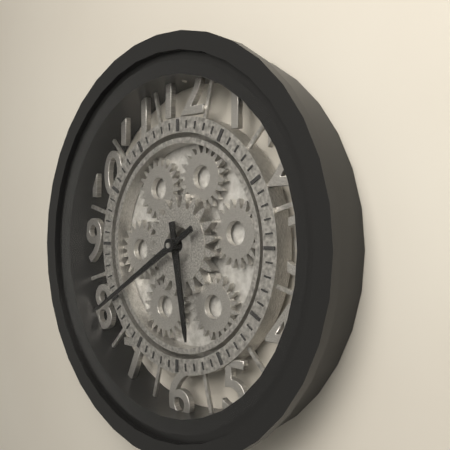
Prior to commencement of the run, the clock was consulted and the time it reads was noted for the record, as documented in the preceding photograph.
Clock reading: 5:40
